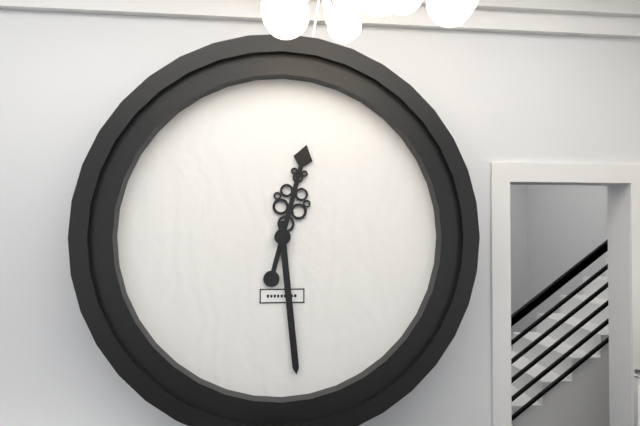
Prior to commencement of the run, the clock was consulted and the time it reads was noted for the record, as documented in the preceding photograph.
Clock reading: 12:29
